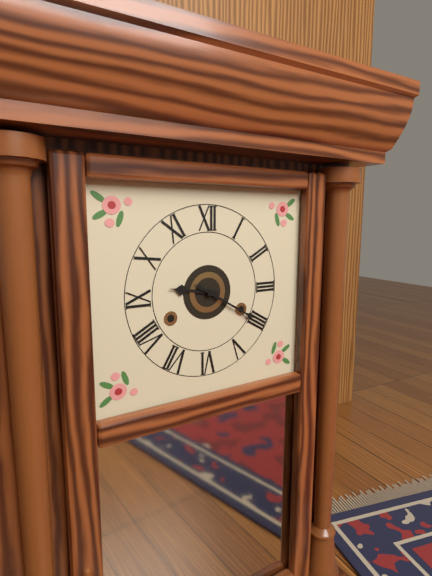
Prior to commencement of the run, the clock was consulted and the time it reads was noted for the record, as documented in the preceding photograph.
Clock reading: 9:20
